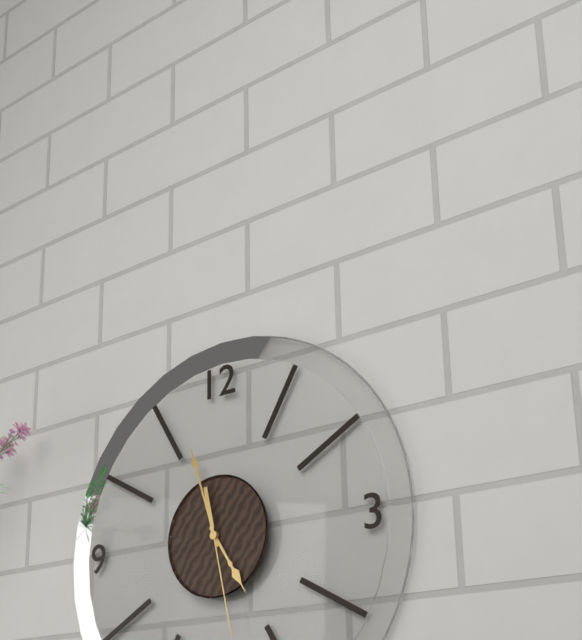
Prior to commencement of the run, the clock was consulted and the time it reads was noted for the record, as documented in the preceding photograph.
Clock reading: 4:57:28
